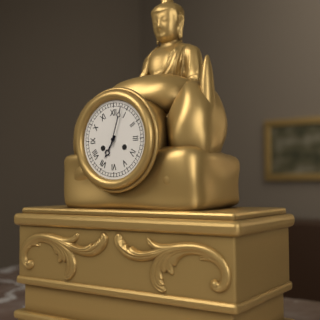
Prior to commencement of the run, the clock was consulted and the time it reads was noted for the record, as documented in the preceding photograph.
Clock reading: 7:03
